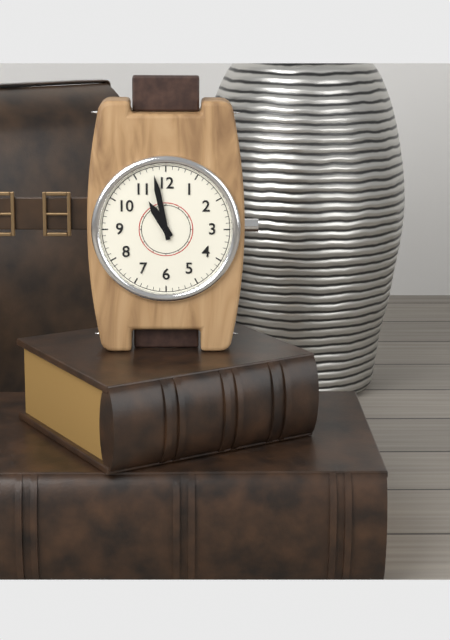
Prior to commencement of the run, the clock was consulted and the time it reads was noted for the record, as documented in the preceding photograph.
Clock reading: 10:58
